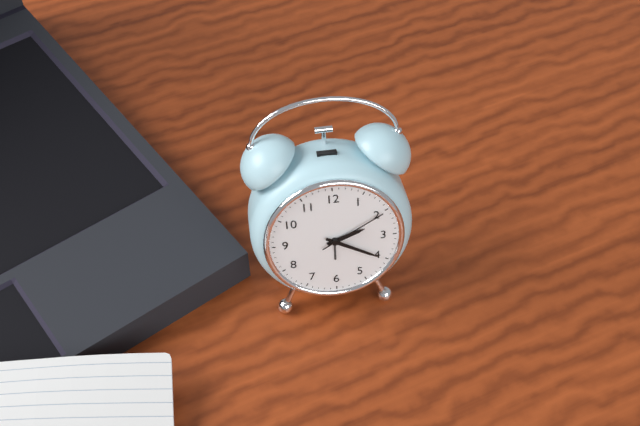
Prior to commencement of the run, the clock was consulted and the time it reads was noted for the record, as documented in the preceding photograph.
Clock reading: 2:20:10
